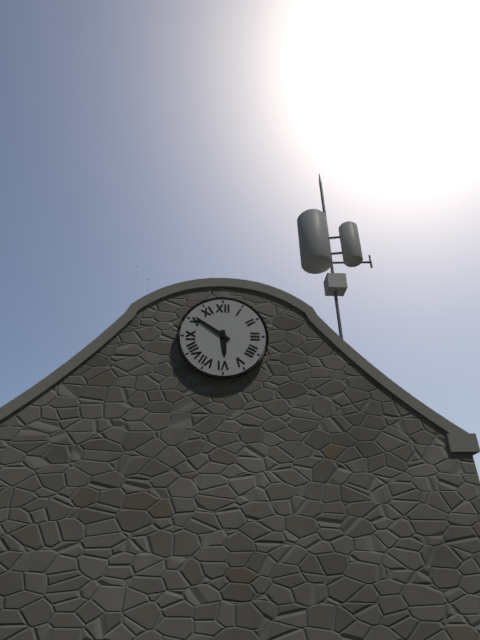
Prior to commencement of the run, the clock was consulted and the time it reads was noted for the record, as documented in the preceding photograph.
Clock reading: 5:51
